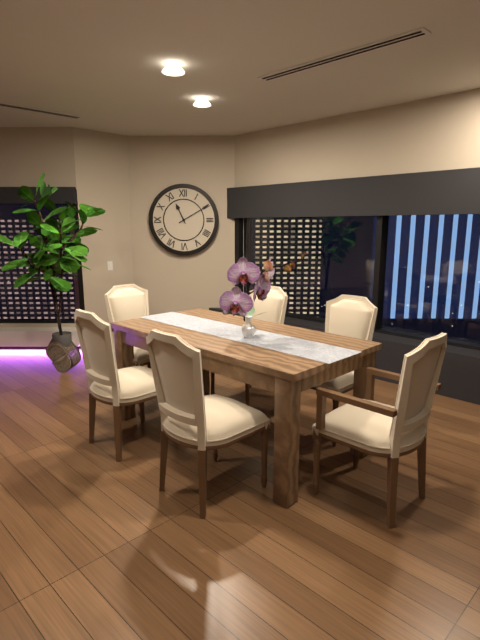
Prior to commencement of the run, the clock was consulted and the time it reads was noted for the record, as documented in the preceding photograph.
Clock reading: 11:10
